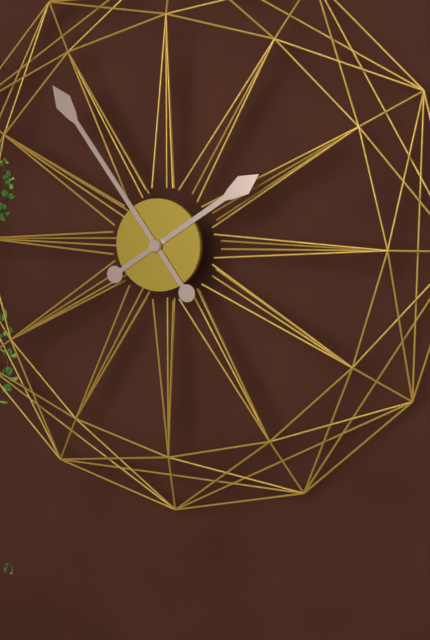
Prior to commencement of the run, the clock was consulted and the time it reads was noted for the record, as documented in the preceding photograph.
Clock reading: 1:54
